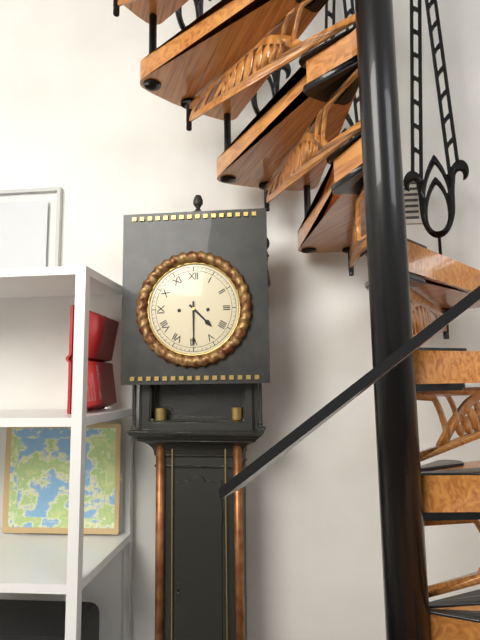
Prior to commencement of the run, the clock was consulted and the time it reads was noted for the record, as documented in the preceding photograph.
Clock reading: 4:30
